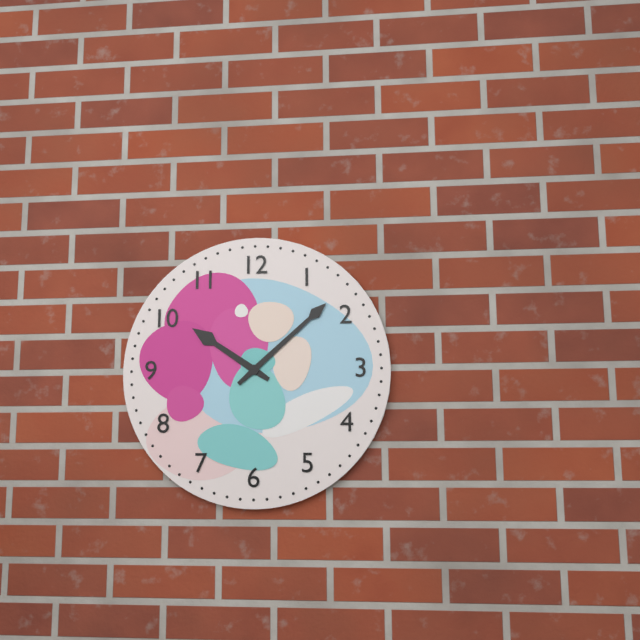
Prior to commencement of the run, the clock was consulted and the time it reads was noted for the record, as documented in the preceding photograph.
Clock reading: 10:08
